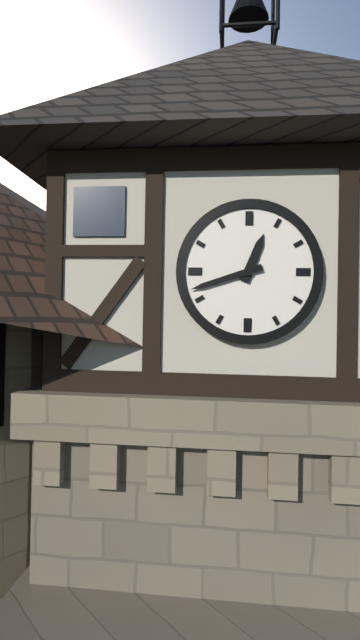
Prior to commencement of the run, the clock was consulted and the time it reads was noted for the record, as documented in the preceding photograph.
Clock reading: 12:42
